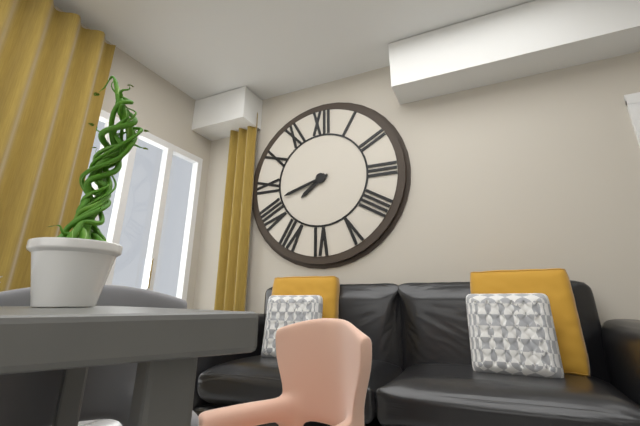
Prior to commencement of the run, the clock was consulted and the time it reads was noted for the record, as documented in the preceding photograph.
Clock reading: 7:42
